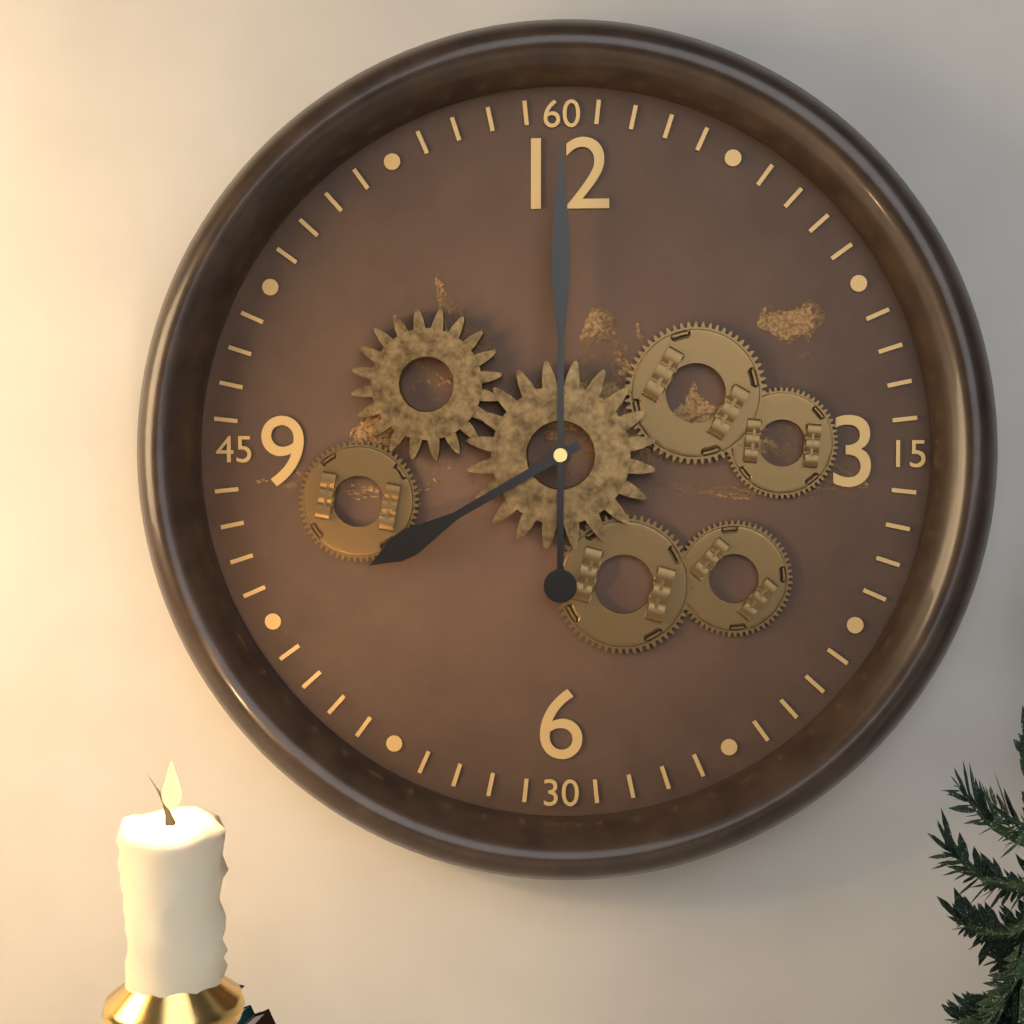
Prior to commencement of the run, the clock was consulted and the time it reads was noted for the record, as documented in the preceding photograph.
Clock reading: 8:00
